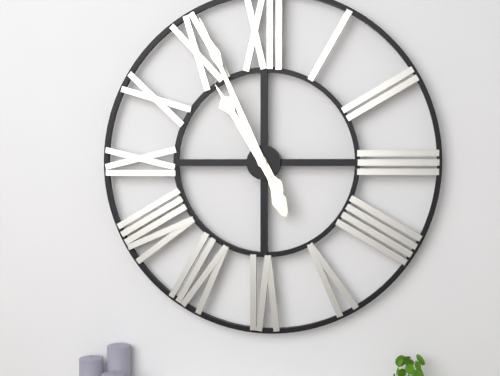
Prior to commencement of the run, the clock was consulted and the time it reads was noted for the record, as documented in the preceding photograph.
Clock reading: 10:56
